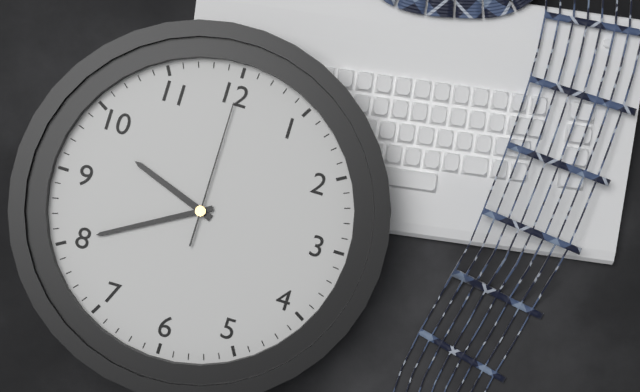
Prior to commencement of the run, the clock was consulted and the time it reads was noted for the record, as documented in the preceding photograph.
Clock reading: 9:40:00
